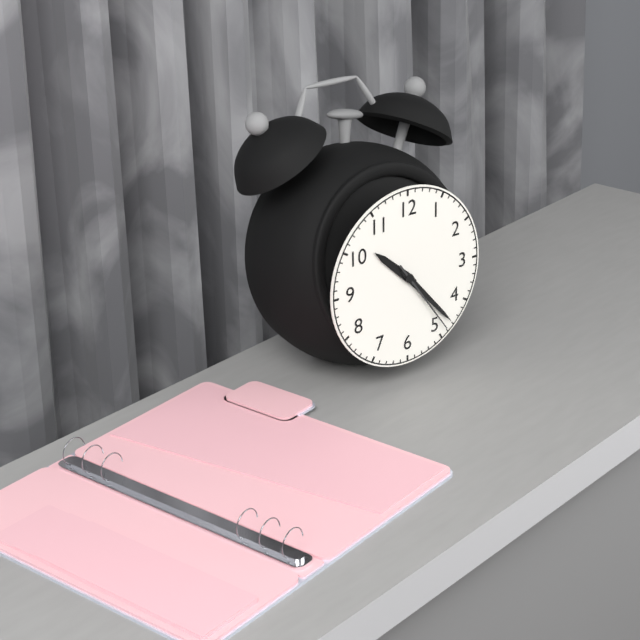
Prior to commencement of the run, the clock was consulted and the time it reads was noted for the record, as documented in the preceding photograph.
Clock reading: 10:23:24
